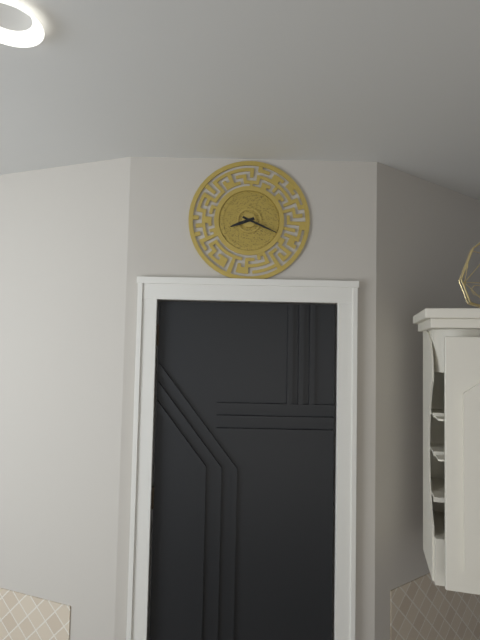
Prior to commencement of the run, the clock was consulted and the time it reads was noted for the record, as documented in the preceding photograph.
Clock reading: 8:19
